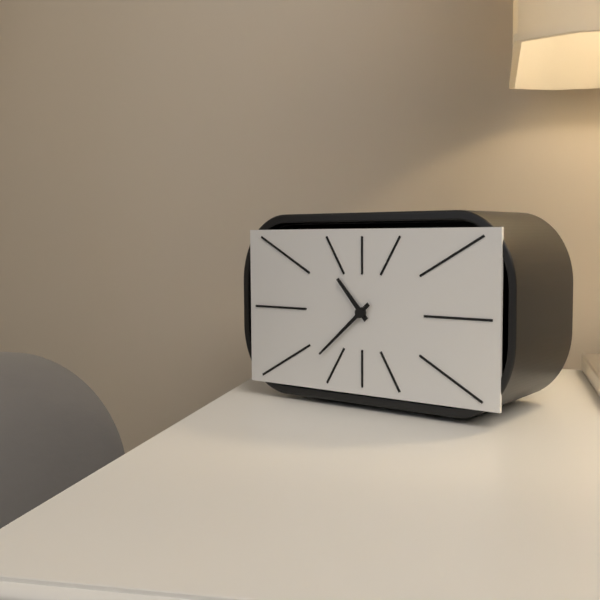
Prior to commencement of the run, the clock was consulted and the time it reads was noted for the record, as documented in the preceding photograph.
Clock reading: 10:38
